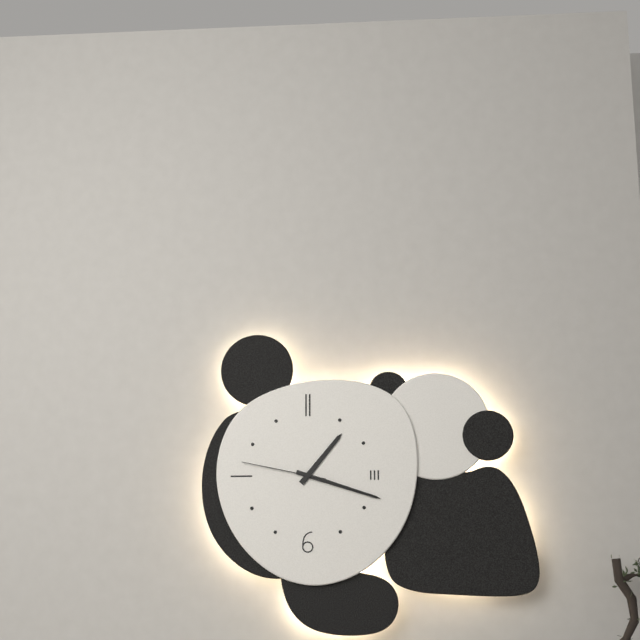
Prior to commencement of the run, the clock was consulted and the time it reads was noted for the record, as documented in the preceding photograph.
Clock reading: 1:18:47
